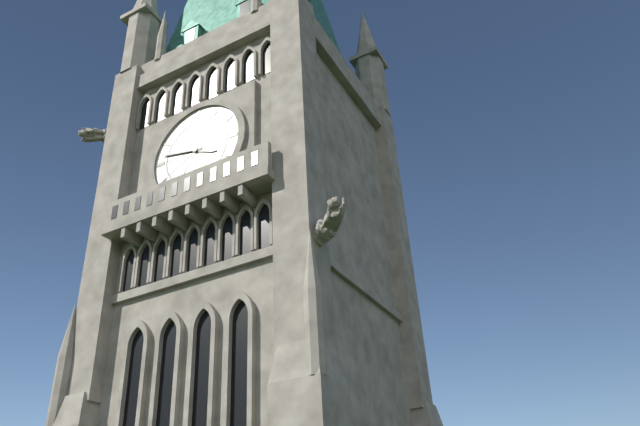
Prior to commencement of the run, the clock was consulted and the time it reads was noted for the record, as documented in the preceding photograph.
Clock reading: 3:47
